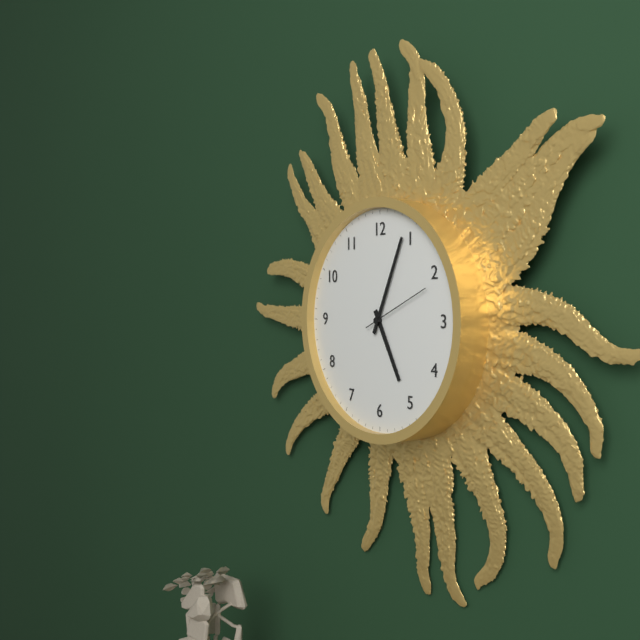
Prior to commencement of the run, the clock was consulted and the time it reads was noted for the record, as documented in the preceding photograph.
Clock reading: 5:04:11
